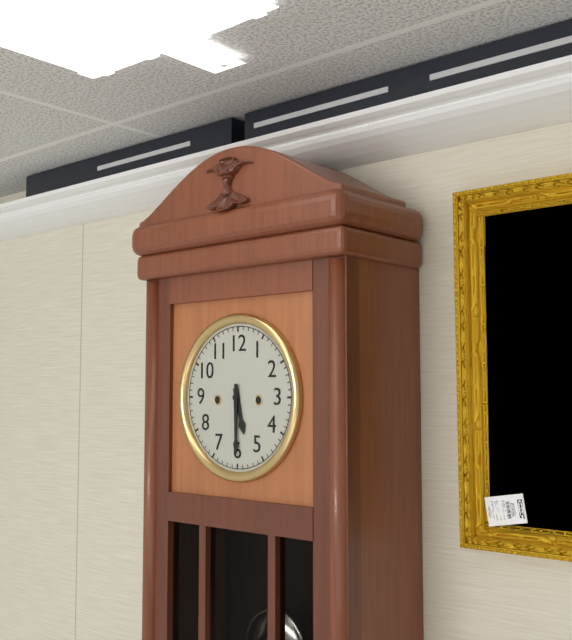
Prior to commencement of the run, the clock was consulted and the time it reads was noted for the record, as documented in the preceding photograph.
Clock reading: 5:30
